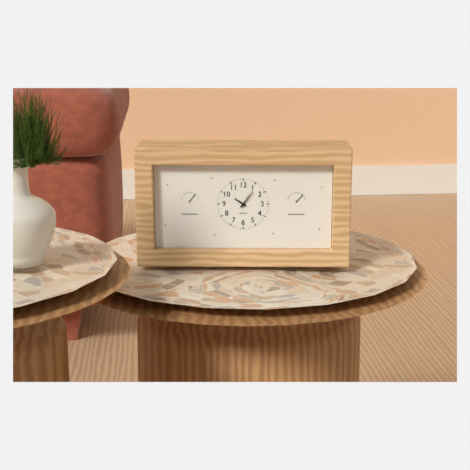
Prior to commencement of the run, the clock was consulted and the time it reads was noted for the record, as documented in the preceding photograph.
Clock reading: 10:06
